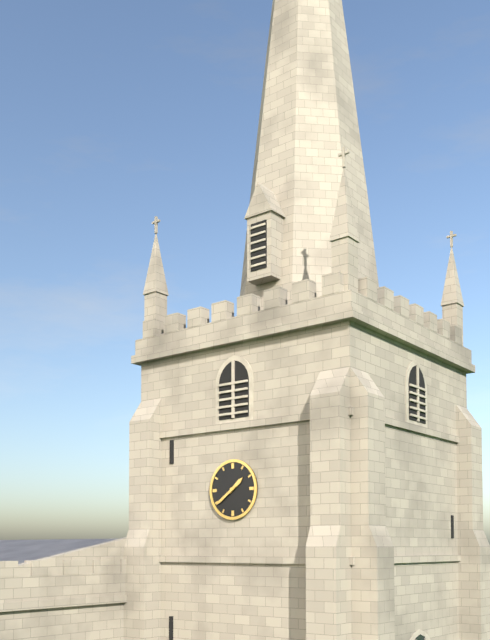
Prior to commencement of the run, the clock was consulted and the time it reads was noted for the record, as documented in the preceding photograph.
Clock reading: 1:39
